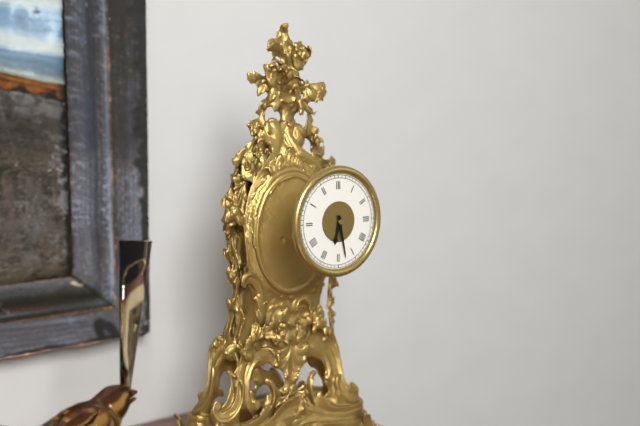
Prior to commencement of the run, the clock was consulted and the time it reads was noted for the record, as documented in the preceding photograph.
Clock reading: 6:28
